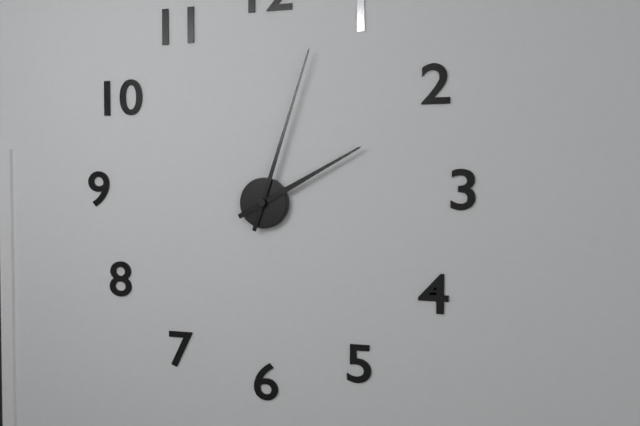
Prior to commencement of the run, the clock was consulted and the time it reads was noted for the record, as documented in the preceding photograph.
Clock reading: 2:03
